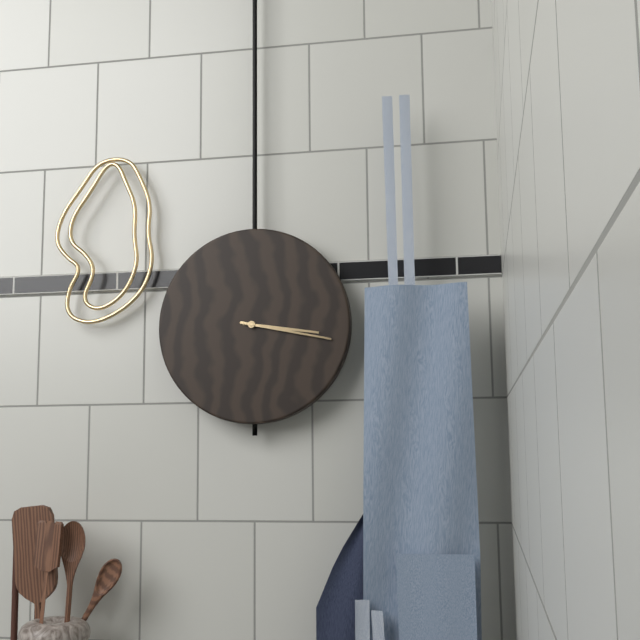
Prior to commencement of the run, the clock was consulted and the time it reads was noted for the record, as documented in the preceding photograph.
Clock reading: 3:17
